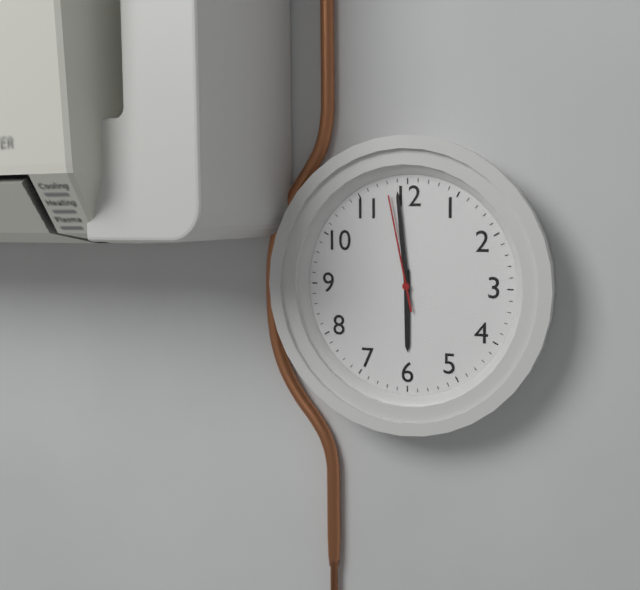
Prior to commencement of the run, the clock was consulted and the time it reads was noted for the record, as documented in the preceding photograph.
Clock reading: 5:59:58
